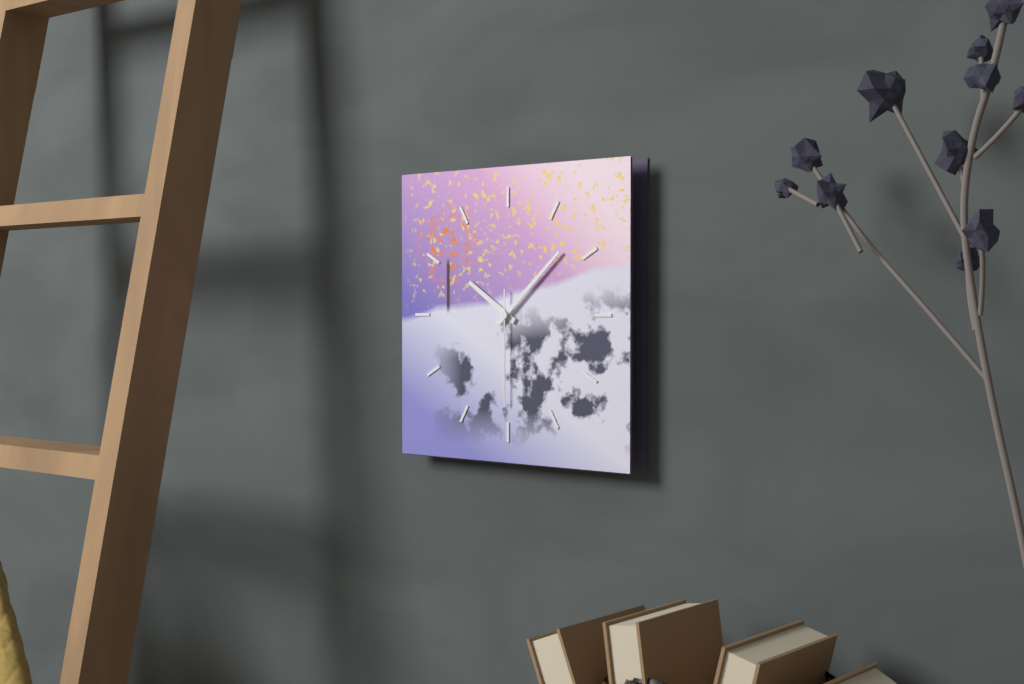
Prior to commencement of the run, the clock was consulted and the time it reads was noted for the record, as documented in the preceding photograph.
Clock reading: 10:08:30
